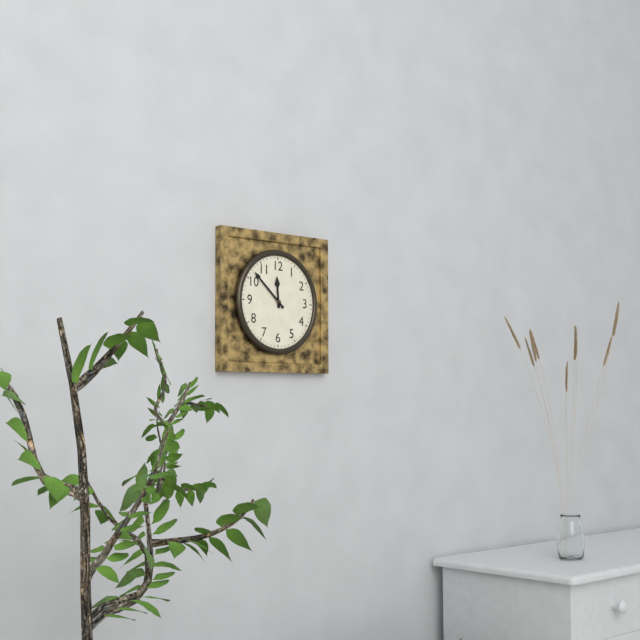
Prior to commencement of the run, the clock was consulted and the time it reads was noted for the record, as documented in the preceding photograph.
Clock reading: 11:52
